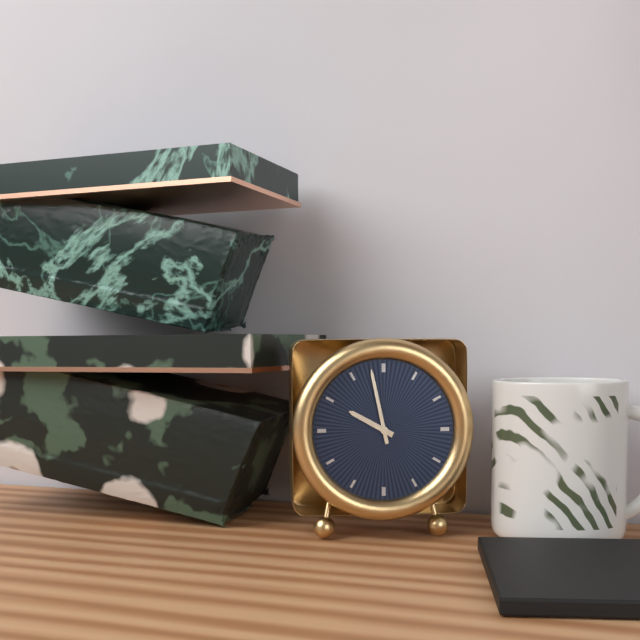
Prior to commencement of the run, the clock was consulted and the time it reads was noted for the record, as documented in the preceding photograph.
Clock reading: 9:58
